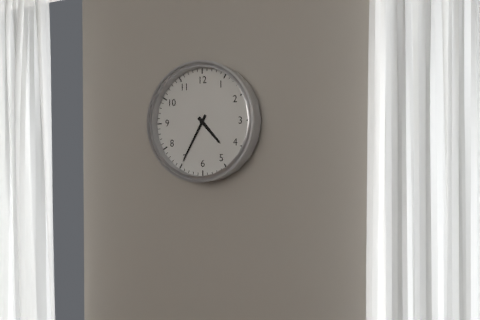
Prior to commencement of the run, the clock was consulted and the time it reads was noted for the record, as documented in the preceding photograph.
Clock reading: 4:35
